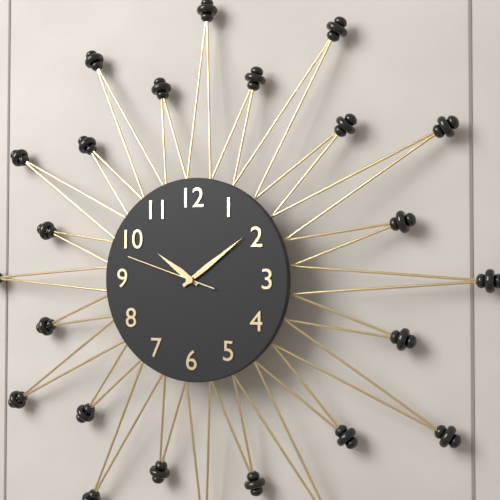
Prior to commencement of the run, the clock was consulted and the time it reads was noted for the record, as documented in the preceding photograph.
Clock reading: 10:09:48
